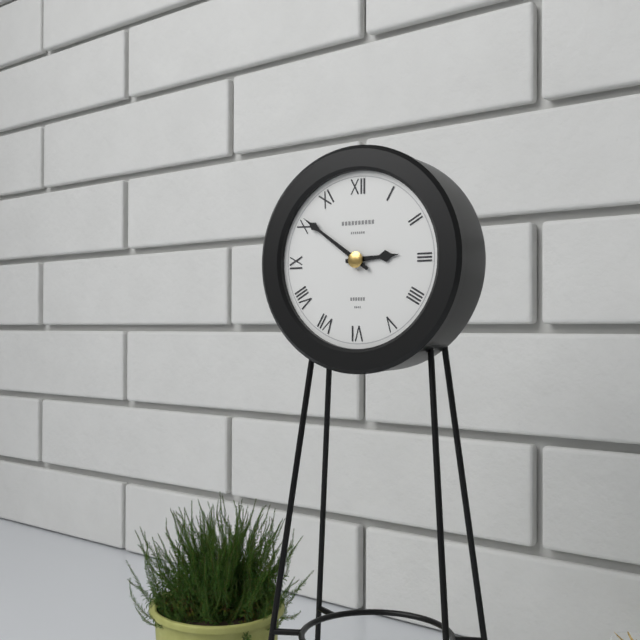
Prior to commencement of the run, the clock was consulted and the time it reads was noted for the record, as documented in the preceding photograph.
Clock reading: 2:51
